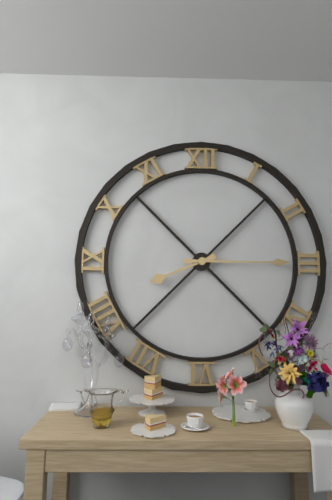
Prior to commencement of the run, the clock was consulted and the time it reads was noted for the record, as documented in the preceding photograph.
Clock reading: 8:15
